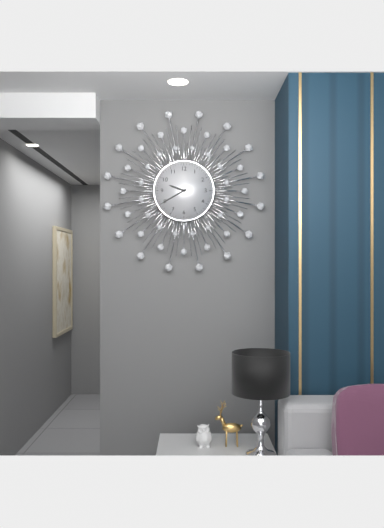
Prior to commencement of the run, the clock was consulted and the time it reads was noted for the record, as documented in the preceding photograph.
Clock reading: 9:40
